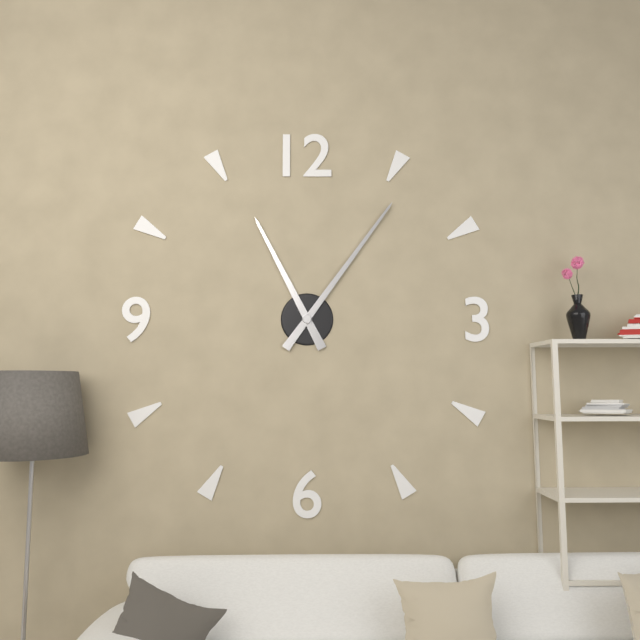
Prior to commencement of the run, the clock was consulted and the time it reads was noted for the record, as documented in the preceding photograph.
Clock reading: 11:06
